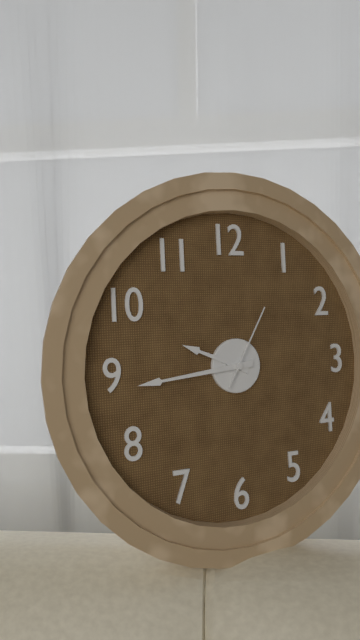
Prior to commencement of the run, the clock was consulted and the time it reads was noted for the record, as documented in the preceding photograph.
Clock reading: 9:44:05
